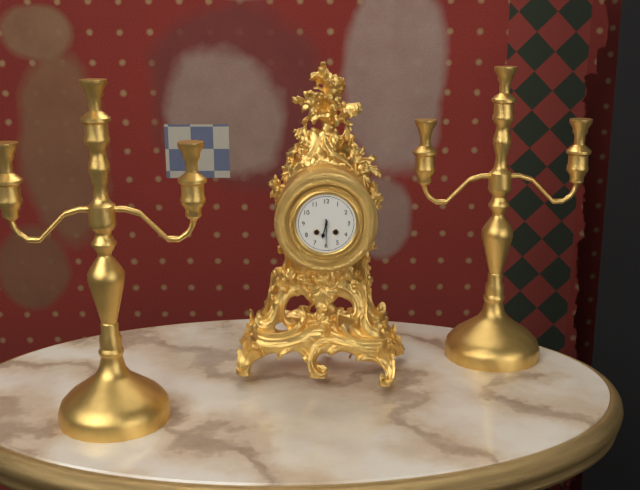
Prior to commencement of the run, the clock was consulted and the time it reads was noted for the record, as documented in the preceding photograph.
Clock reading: 6:30
